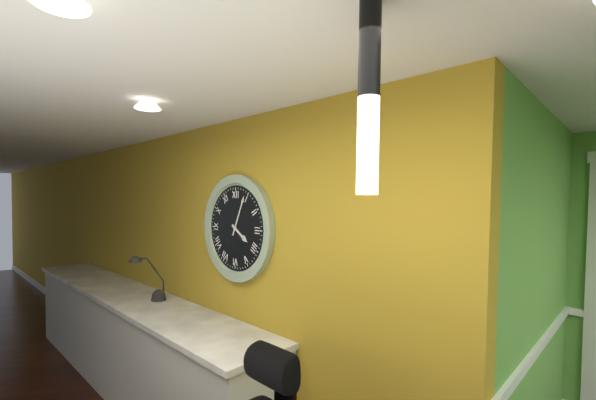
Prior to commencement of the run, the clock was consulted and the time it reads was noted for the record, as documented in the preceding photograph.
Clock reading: 4:04
